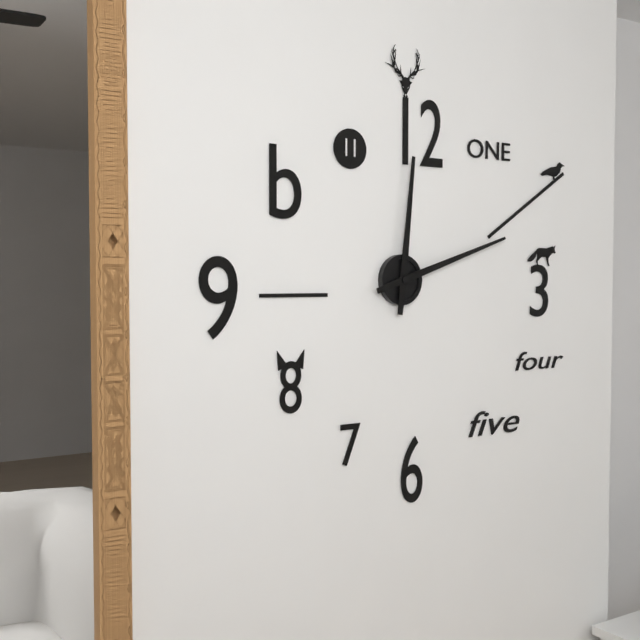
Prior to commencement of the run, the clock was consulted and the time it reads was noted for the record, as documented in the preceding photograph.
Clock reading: 12:12
